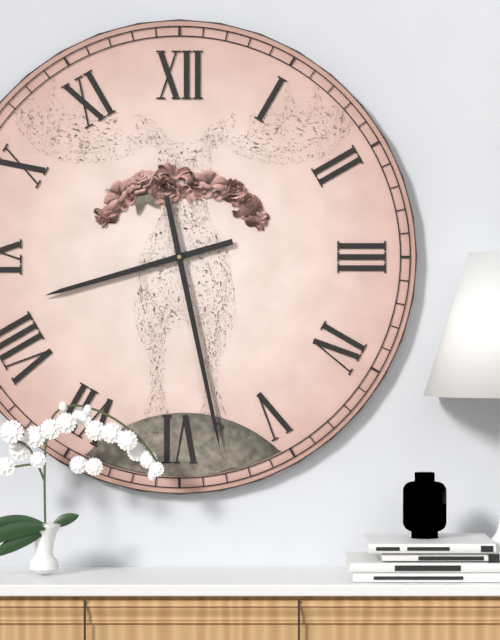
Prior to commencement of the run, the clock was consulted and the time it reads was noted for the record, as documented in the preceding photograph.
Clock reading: 8:28
